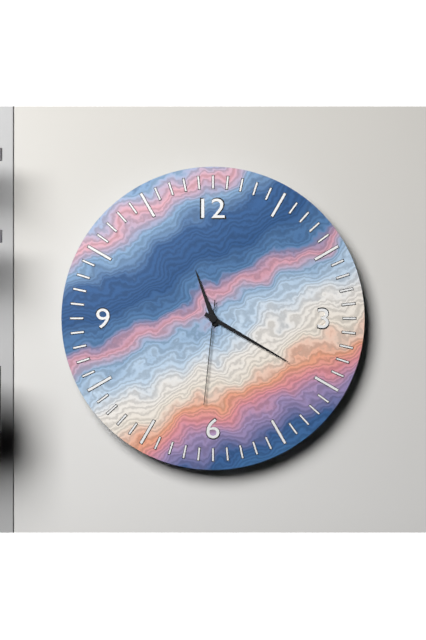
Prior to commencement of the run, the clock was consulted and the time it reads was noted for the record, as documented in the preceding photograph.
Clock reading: 11:20:31
